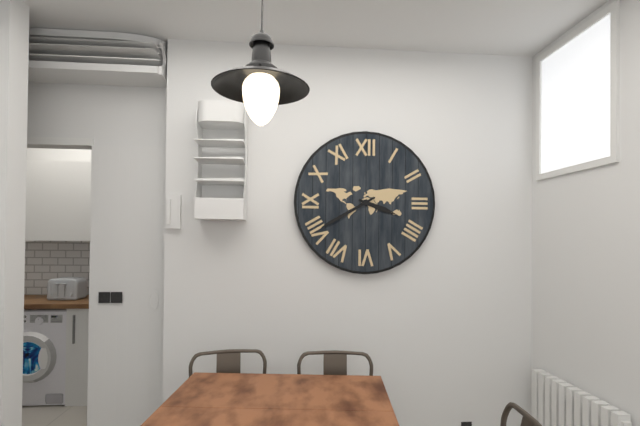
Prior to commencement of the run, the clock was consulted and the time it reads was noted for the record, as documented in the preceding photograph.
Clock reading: 3:40
